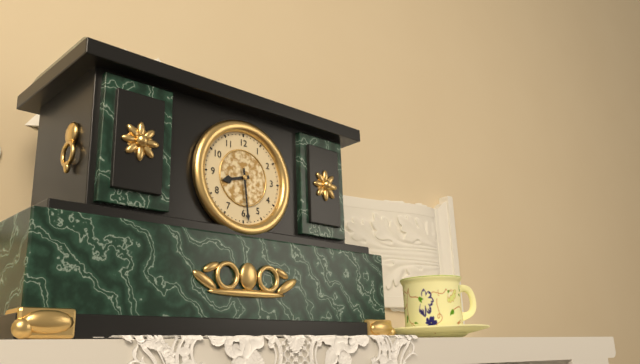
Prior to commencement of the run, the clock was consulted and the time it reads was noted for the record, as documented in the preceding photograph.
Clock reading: 8:29
